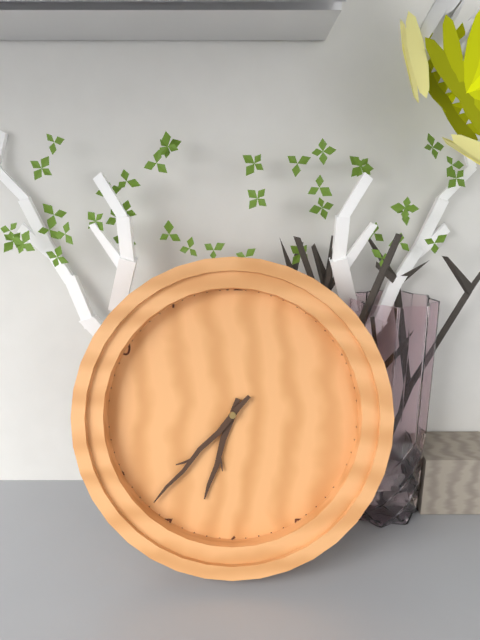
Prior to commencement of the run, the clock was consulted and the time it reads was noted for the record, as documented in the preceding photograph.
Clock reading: 6:37
